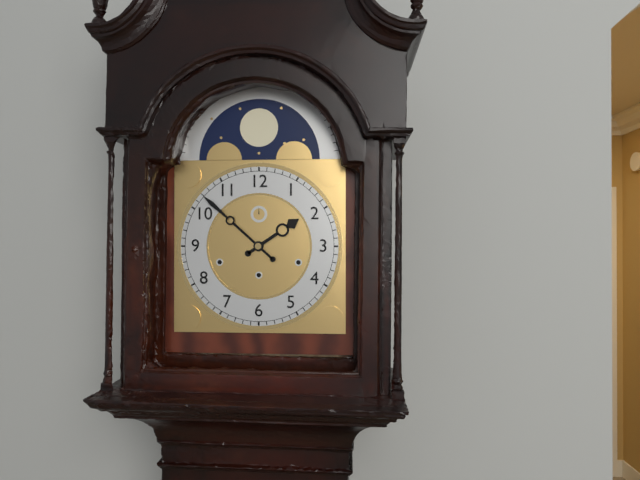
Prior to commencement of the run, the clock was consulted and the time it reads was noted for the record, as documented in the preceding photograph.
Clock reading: 1:52
